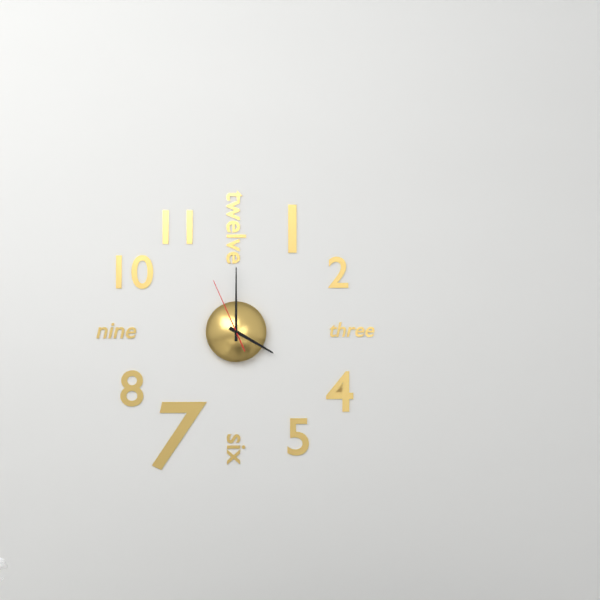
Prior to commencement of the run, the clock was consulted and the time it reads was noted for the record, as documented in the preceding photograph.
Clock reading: 4:00:56
